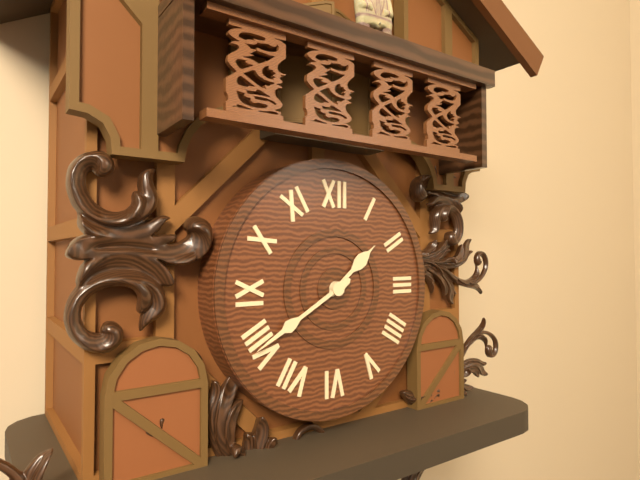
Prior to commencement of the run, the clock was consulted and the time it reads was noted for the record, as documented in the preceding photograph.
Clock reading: 1:40
